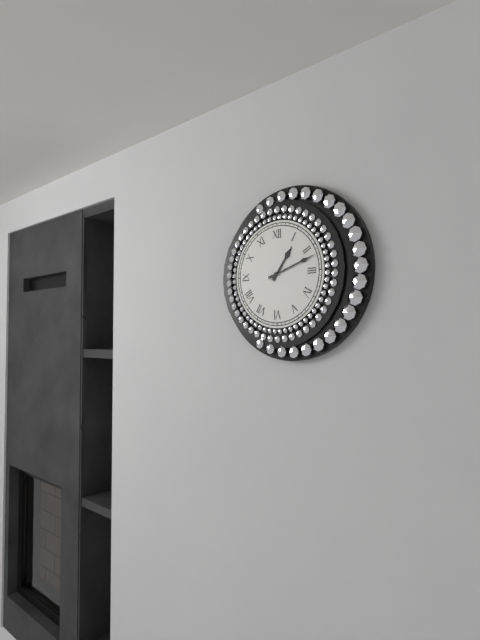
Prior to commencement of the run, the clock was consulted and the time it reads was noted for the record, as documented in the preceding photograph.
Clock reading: 1:12
